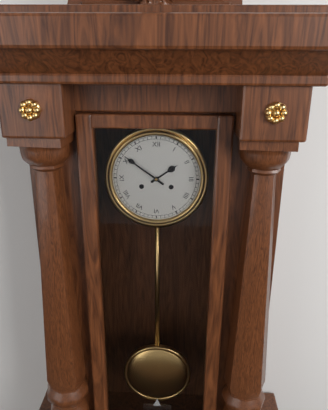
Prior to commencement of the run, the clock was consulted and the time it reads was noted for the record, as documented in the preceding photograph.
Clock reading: 1:51
